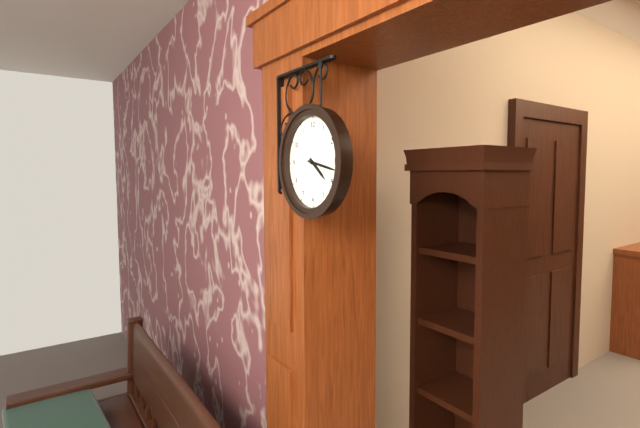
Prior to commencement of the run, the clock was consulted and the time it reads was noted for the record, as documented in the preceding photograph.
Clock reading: 4:17
